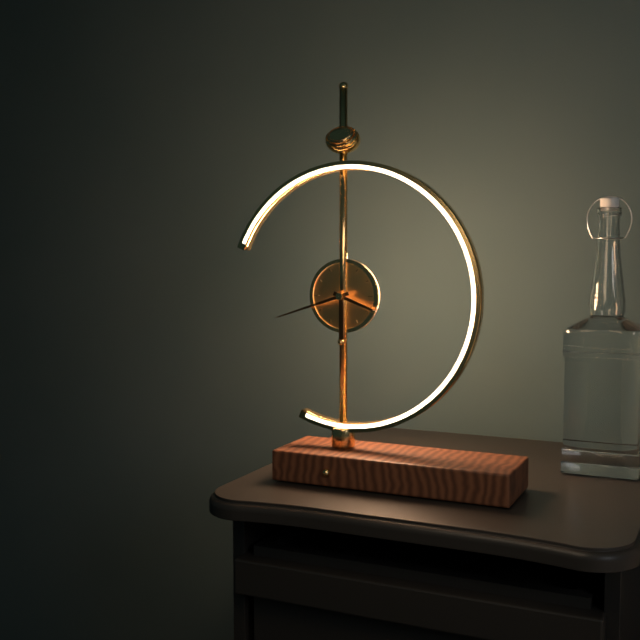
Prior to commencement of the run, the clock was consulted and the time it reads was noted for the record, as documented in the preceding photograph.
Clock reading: 3:42
